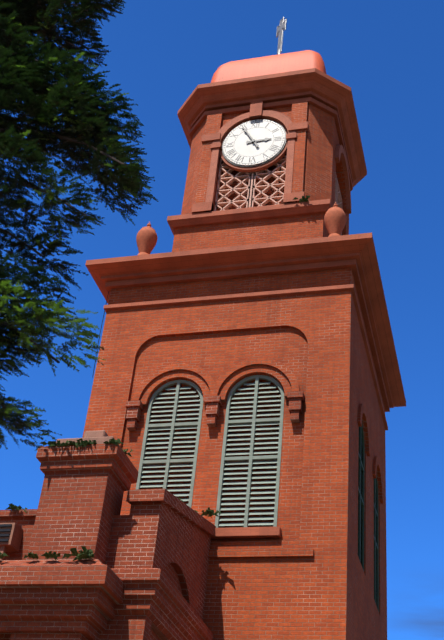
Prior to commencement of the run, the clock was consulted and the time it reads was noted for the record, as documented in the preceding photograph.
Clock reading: 2:55
